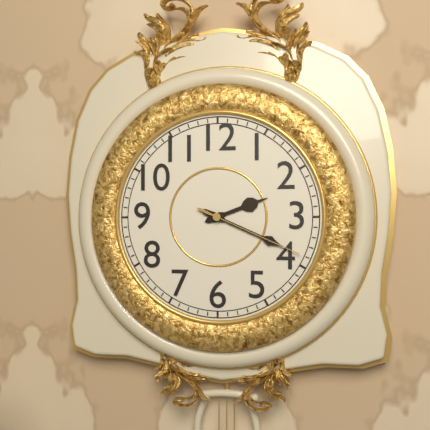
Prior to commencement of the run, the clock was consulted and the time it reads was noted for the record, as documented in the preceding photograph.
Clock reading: 2:19:19
